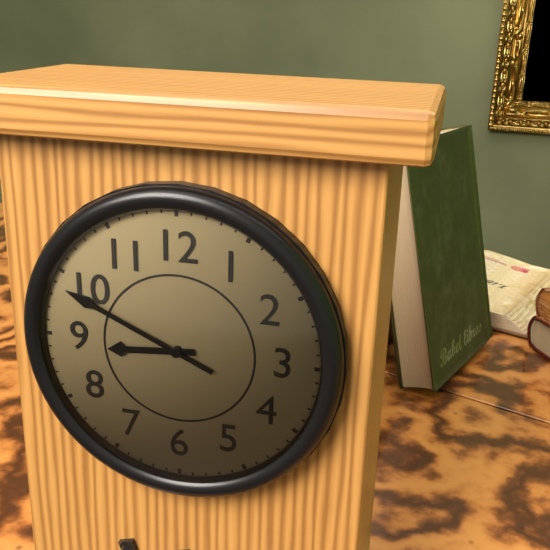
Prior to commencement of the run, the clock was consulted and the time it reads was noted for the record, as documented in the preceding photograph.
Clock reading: 8:49
